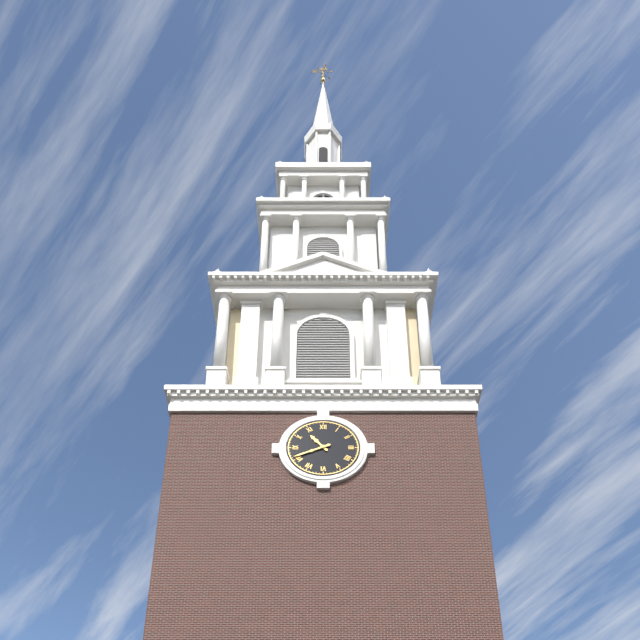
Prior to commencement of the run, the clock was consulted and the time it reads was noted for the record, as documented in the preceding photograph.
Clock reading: 10:41
